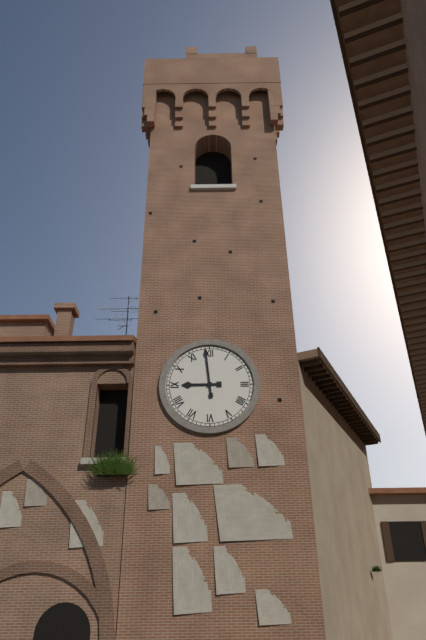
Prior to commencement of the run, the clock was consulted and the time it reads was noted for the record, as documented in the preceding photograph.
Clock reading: 8:59
